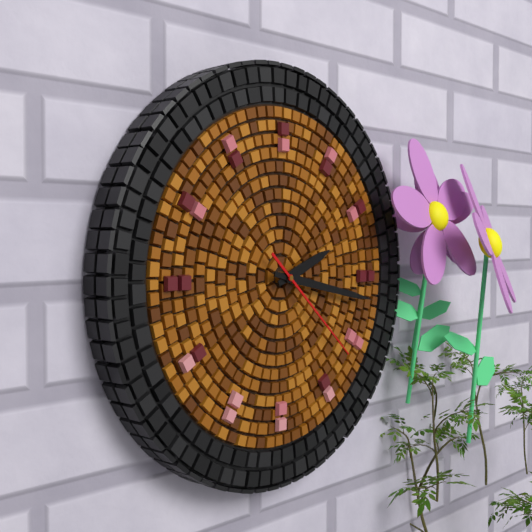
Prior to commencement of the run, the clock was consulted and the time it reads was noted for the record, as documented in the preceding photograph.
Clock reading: 2:17:22
